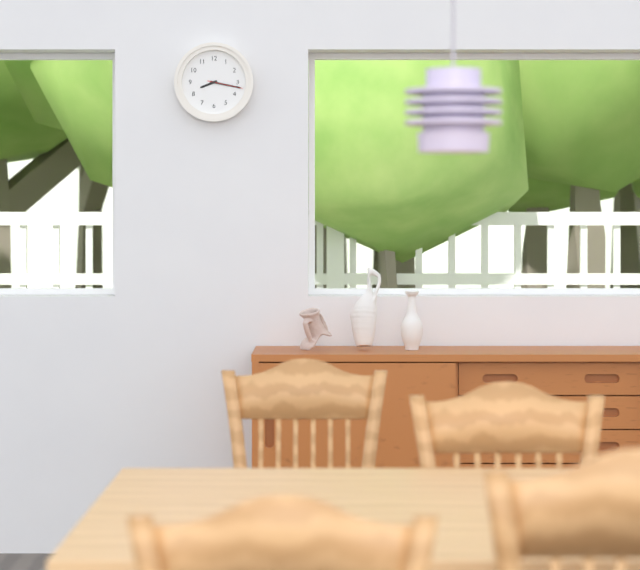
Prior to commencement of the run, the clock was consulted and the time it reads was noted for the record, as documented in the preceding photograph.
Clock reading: 8:17
